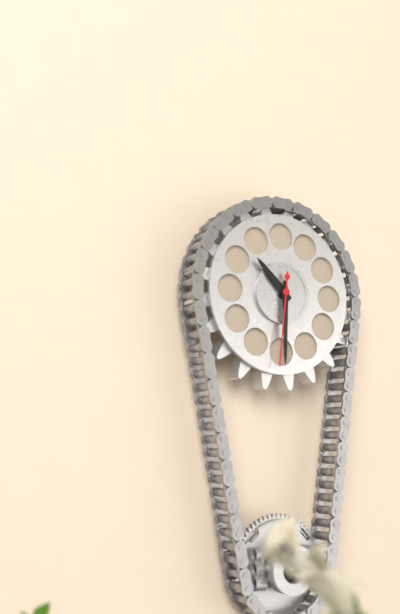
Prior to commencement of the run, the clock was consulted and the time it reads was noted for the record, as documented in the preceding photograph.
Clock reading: 10:30:31
